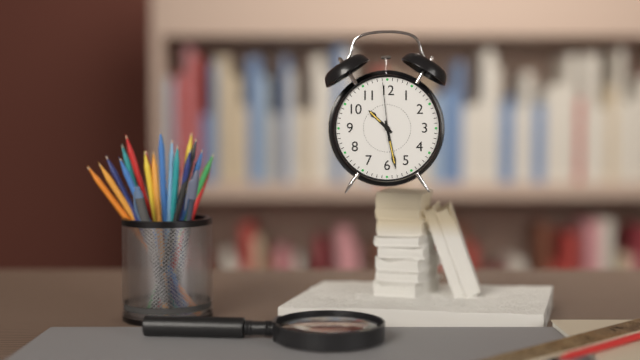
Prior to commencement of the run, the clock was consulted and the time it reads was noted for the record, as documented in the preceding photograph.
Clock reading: 10:28:59
